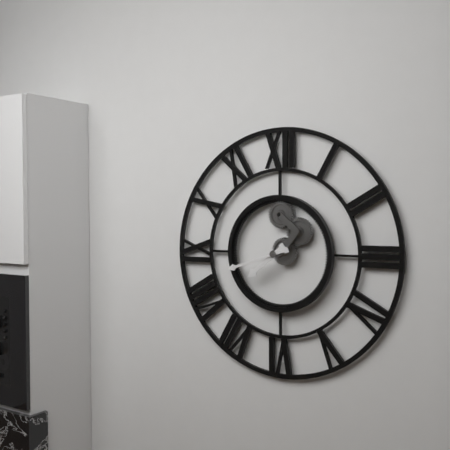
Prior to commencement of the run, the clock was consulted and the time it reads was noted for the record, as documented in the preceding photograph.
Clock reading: 7:42
